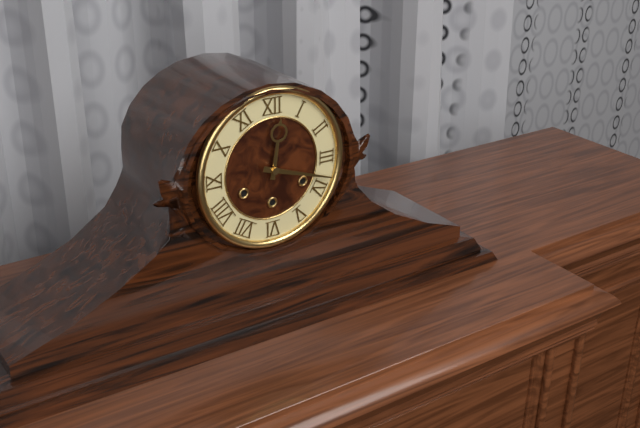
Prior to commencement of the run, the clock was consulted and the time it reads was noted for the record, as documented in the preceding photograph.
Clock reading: 12:18
